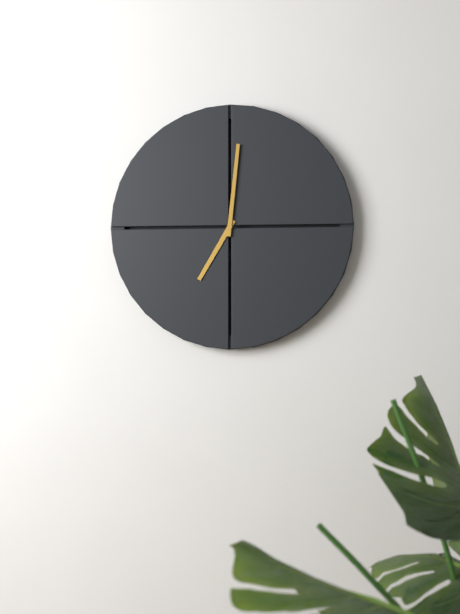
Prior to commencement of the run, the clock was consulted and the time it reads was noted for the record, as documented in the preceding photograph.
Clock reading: 7:01
